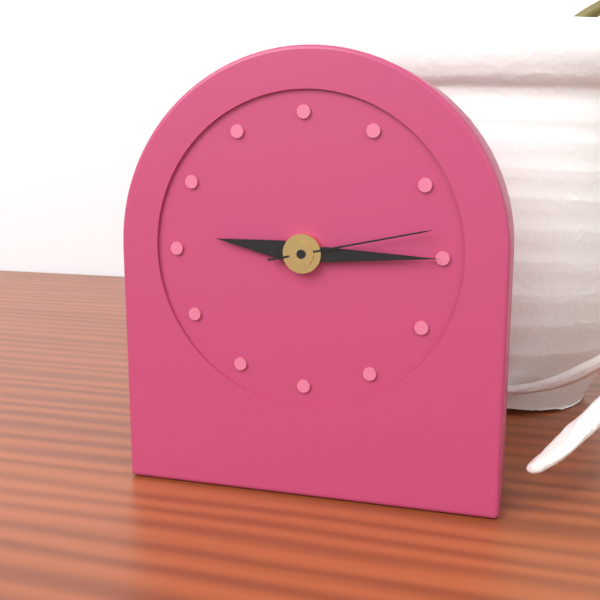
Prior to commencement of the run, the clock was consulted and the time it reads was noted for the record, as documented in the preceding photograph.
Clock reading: 9:15:13
